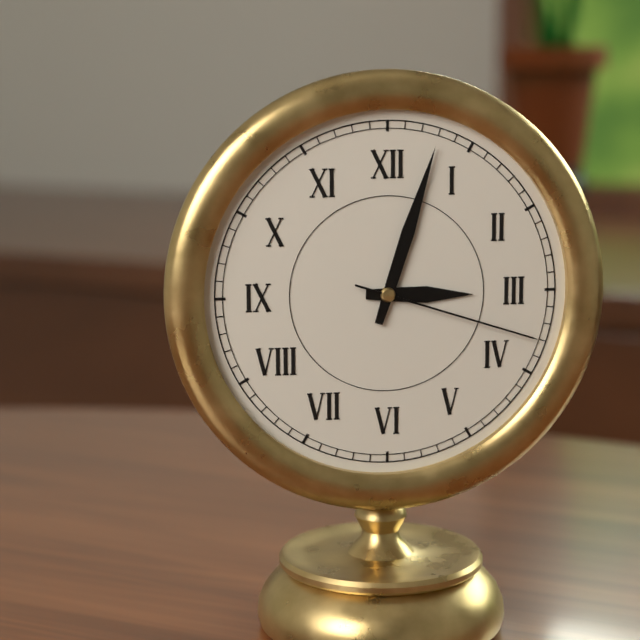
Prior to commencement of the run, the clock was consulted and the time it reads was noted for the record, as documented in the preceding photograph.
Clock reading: 3:03:18
